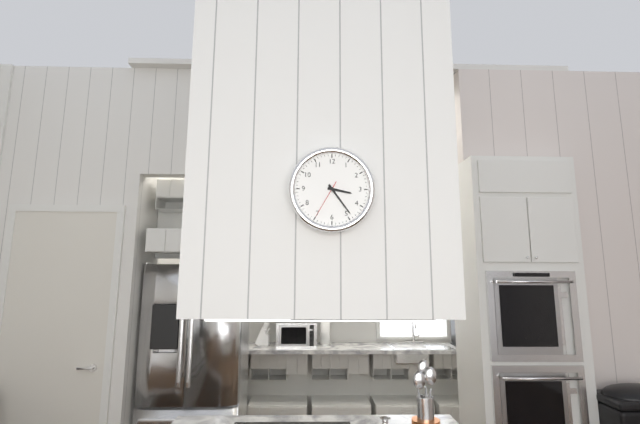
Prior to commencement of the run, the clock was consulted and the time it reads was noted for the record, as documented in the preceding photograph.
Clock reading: 3:24
